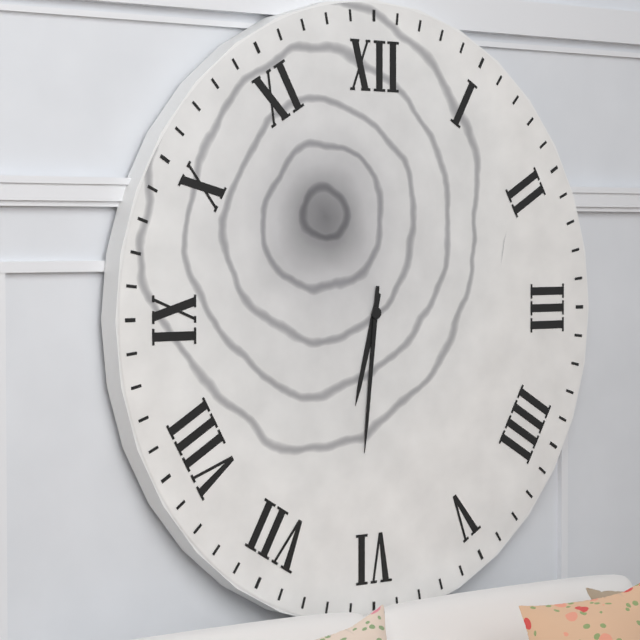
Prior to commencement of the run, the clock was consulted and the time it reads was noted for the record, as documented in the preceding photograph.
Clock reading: 6:31
